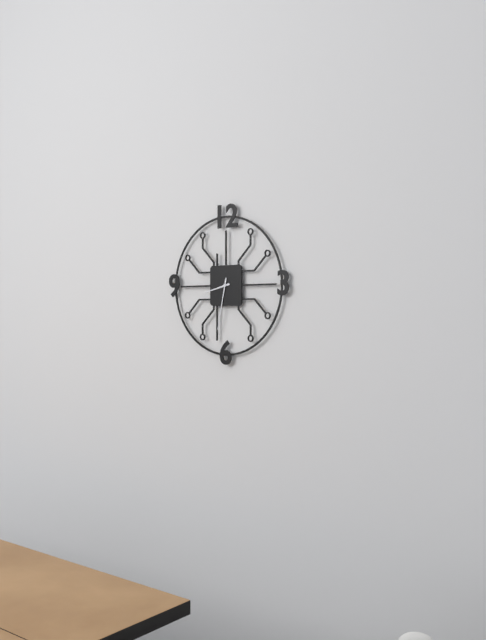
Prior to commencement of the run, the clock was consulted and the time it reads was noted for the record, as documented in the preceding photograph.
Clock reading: 8:32
